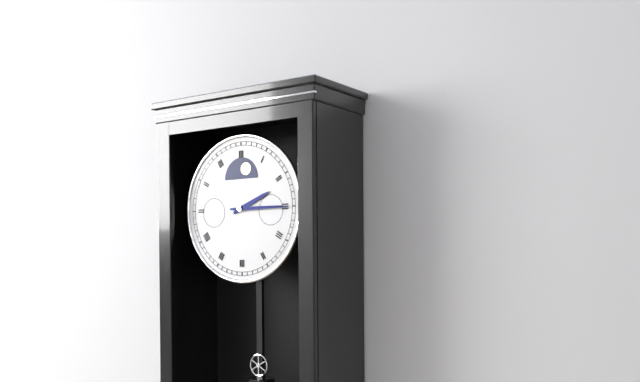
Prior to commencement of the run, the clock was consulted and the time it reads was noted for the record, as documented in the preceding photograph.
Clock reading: 2:15
